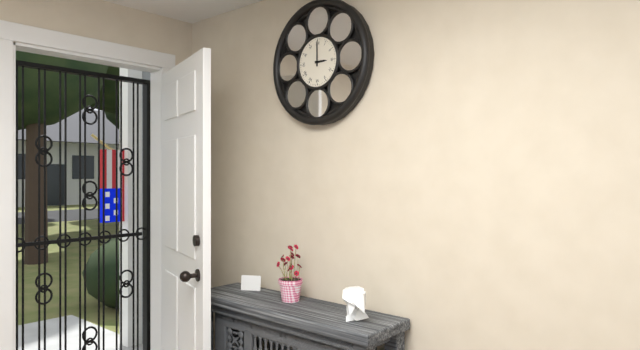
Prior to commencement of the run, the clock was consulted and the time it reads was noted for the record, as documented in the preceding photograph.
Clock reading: 3:00
